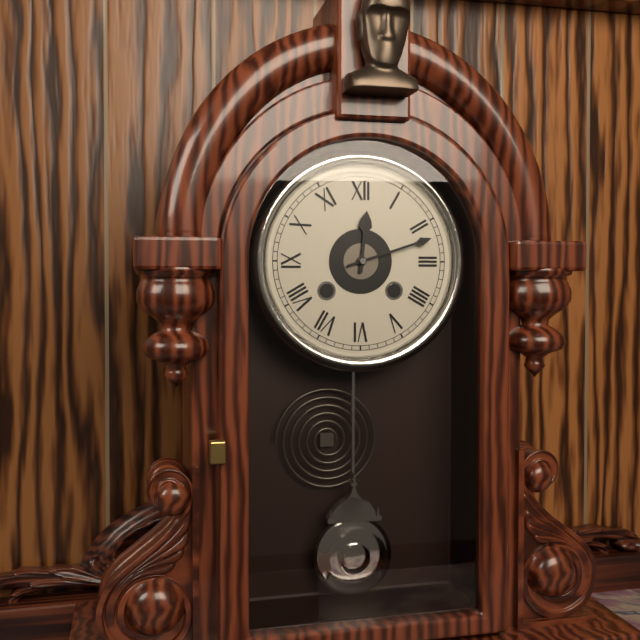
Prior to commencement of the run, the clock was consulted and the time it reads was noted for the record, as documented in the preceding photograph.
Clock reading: 12:12
